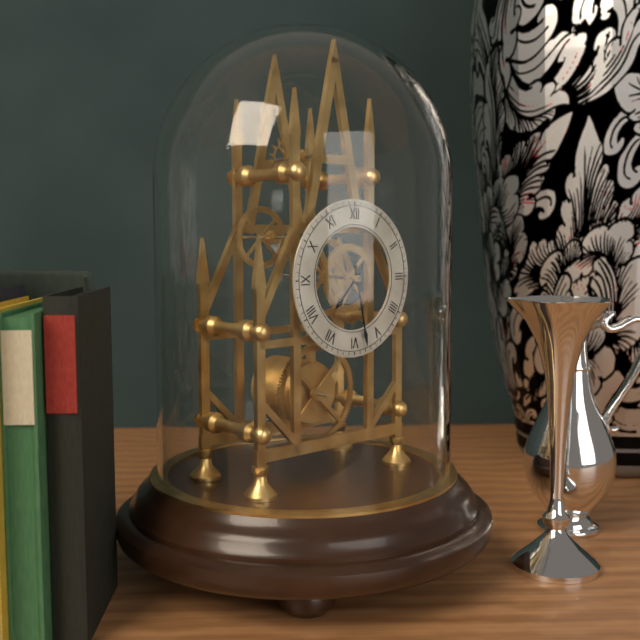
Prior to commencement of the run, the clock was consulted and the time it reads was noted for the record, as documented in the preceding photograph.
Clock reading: 7:28
